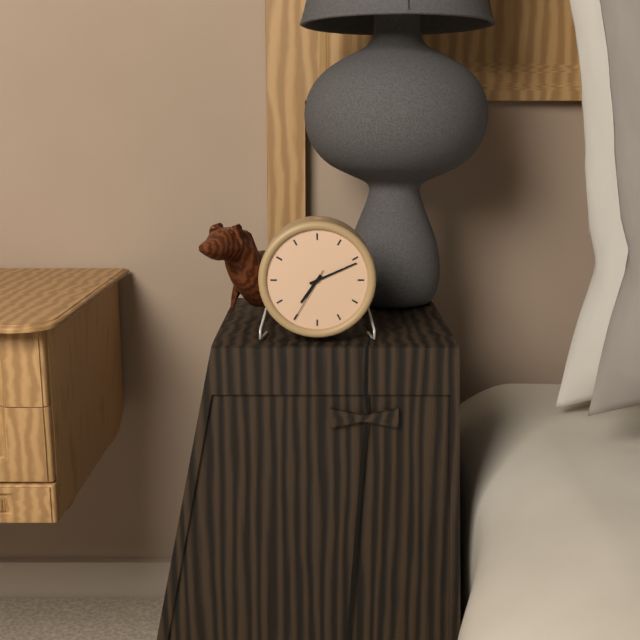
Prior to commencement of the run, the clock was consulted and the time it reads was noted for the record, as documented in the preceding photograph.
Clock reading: 7:11:35
